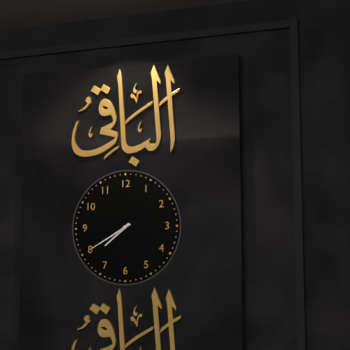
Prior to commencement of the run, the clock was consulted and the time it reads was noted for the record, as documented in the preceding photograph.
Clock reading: 7:40
